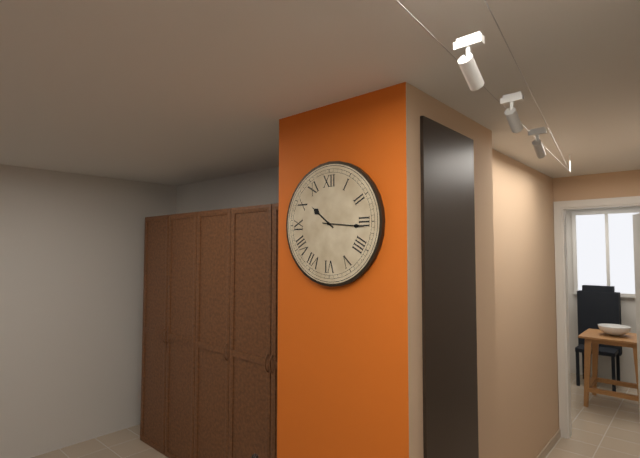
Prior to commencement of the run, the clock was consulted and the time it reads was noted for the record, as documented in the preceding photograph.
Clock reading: 10:16
